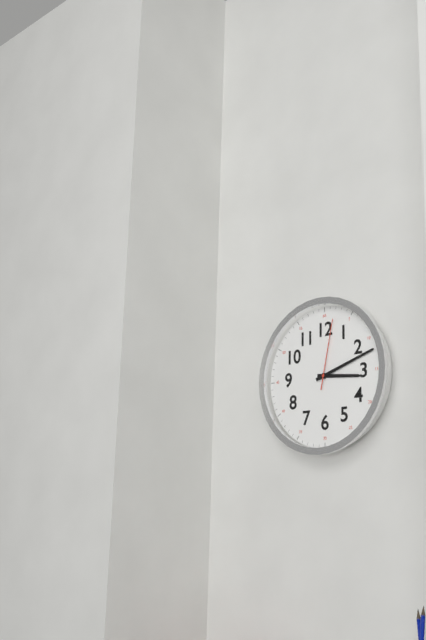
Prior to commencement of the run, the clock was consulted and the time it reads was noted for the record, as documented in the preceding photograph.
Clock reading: 3:12:02
